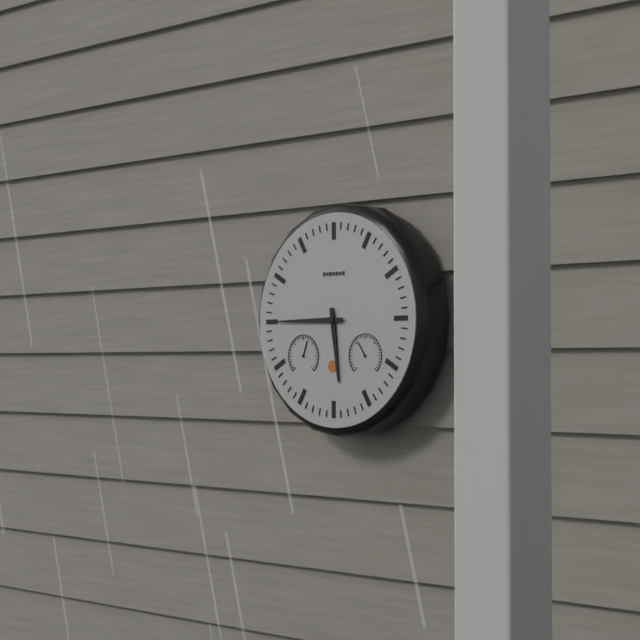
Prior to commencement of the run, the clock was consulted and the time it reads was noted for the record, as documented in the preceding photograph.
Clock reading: 5:45
